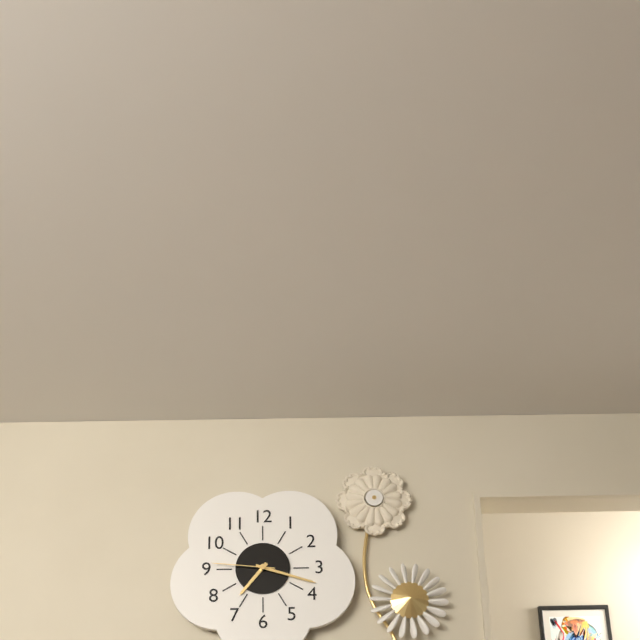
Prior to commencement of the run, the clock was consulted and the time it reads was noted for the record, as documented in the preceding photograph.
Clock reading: 7:18:46
